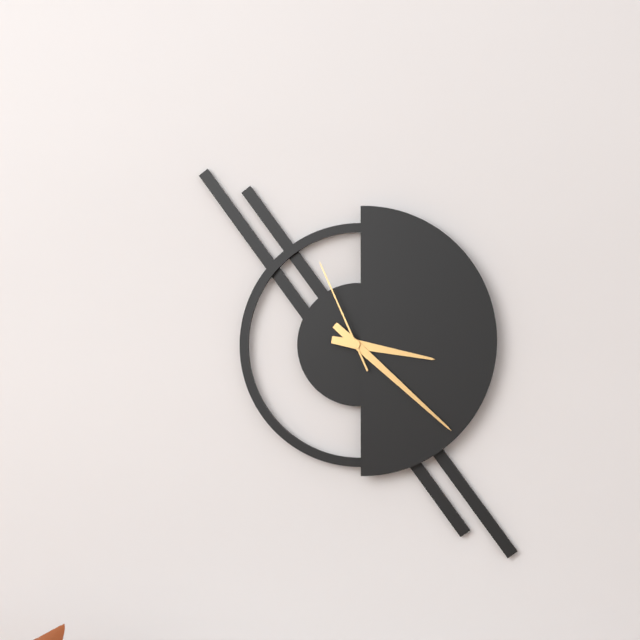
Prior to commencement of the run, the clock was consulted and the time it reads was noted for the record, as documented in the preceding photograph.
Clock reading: 3:22:56
